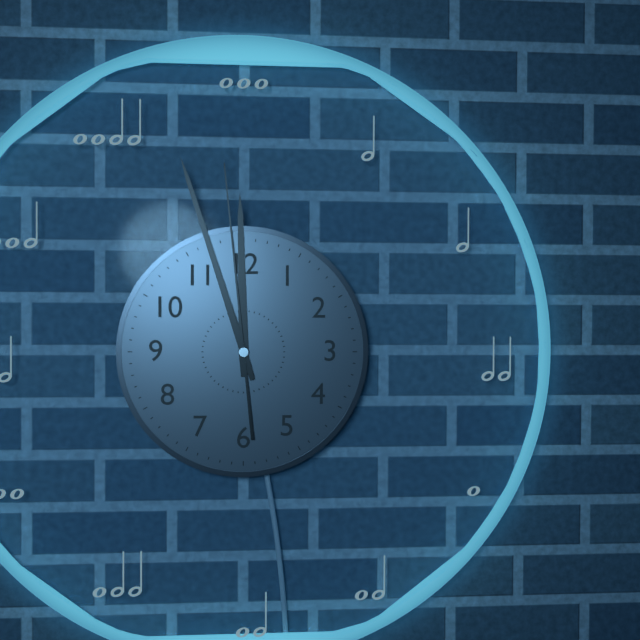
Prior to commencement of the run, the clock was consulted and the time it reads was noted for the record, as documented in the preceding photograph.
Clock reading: 11:57:59
